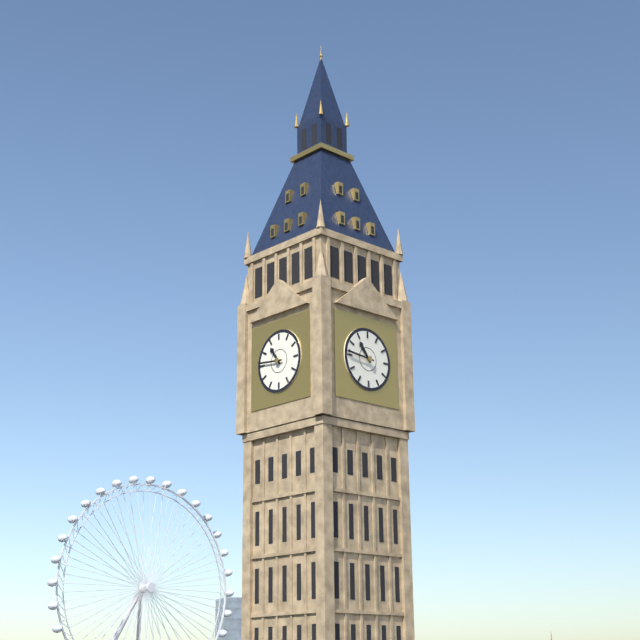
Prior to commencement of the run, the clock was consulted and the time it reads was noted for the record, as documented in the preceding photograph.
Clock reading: 10:46
